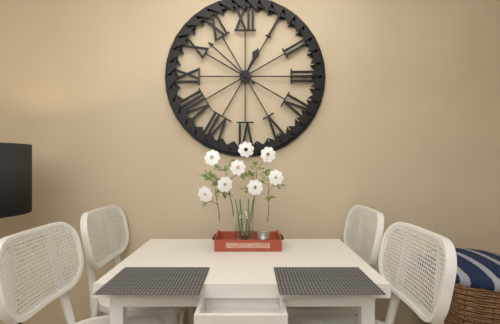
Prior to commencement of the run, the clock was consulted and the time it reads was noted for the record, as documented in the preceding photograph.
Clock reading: 12:52
